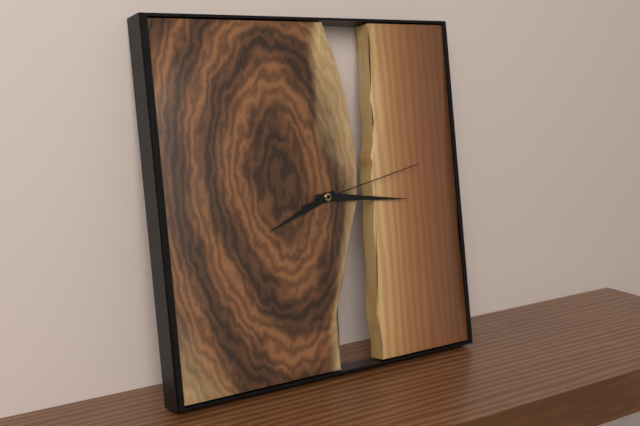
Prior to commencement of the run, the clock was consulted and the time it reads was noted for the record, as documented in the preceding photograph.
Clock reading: 8:16:13
